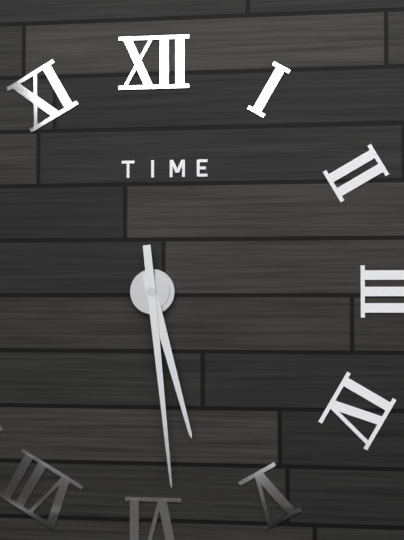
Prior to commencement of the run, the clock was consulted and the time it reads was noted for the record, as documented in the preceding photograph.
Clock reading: 5:29
